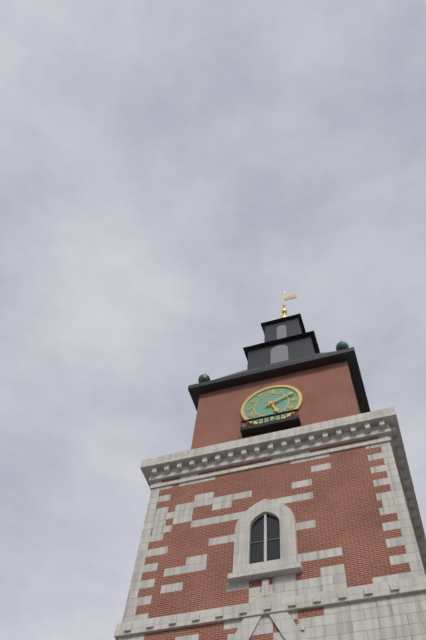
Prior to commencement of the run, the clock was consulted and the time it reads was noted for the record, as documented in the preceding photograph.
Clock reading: 5:11
